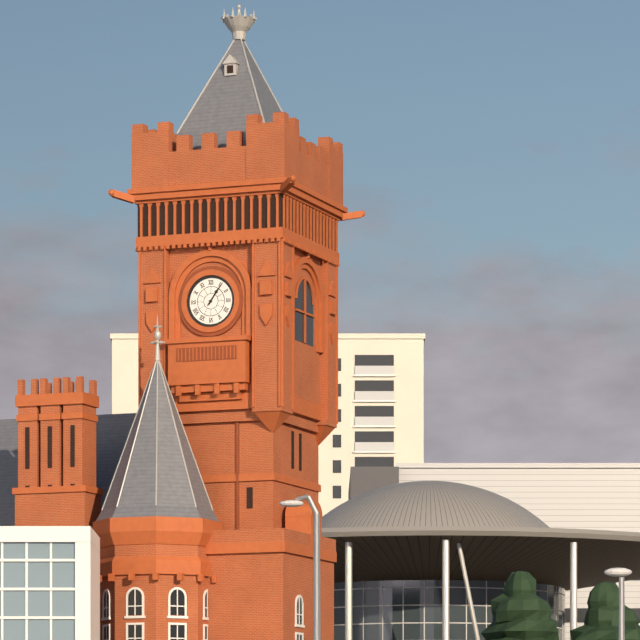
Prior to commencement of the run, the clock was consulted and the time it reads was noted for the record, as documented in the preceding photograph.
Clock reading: 1:06
